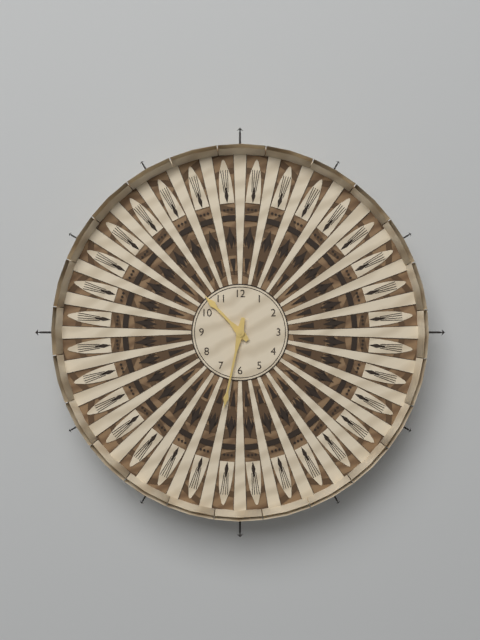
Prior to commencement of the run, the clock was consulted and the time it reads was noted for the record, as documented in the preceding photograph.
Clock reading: 10:32
